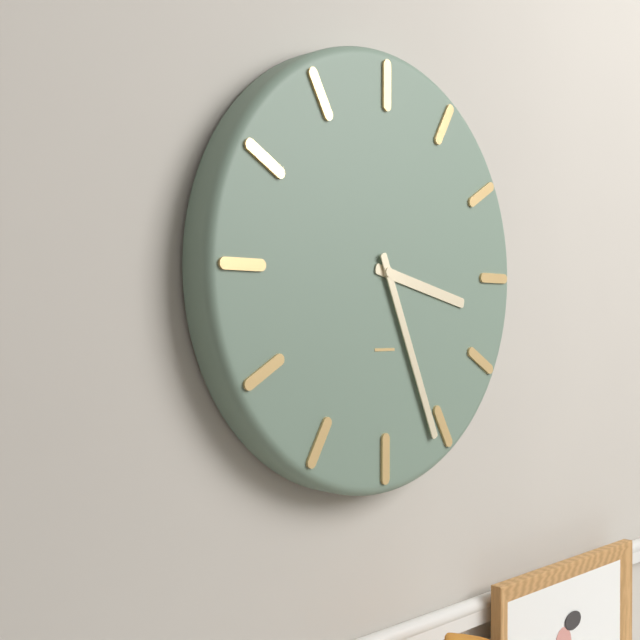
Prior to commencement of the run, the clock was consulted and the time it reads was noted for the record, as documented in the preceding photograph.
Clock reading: 3:26
